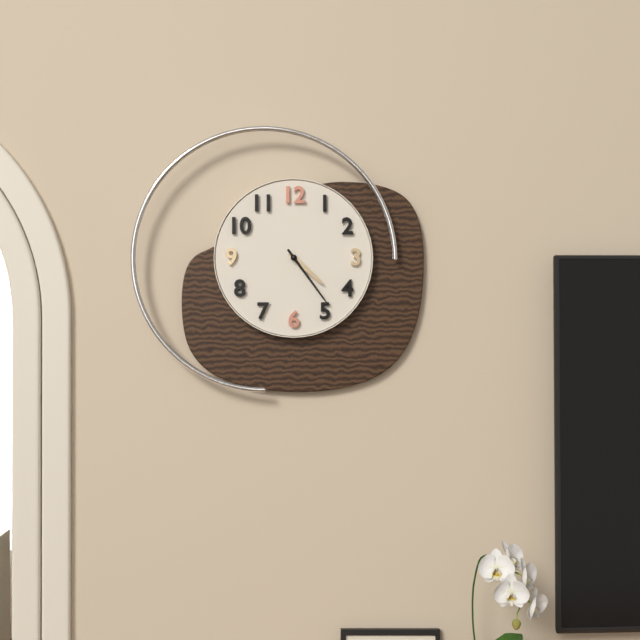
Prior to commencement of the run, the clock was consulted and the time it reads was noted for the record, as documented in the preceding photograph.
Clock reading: 4:24
